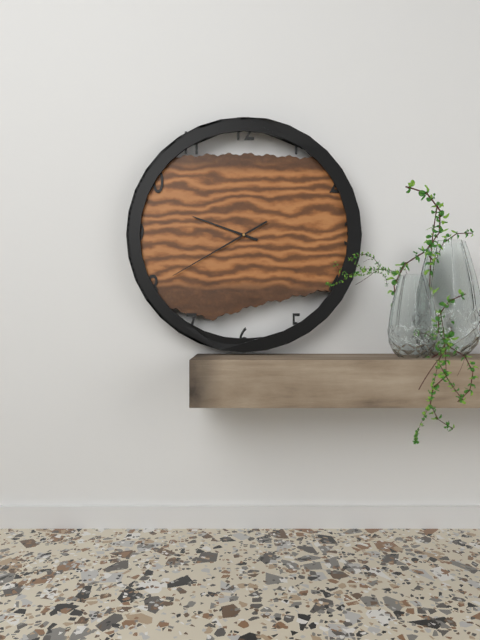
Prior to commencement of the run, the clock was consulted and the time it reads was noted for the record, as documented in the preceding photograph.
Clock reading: 9:40
